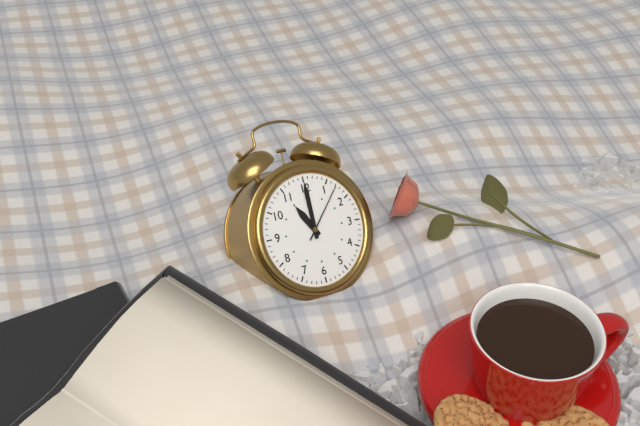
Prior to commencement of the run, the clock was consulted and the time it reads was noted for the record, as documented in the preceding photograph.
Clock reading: 11:00:07
